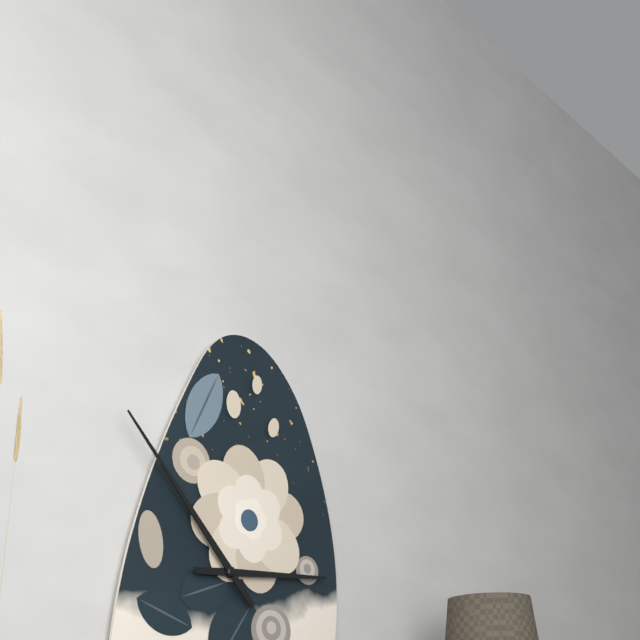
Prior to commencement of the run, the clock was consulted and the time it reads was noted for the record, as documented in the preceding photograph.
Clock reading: 2:53
